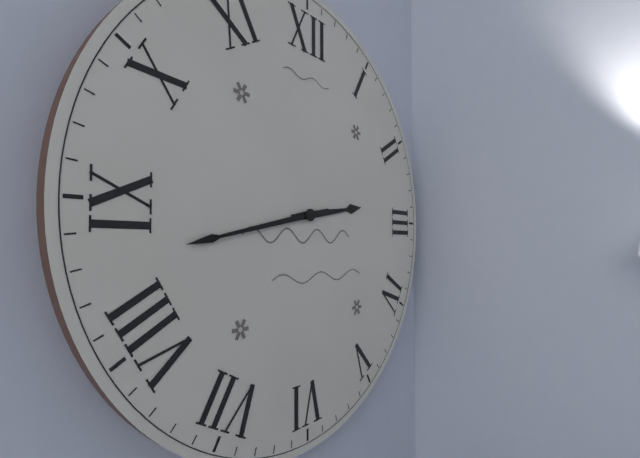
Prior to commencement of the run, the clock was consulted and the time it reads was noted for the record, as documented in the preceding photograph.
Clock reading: 2:43
